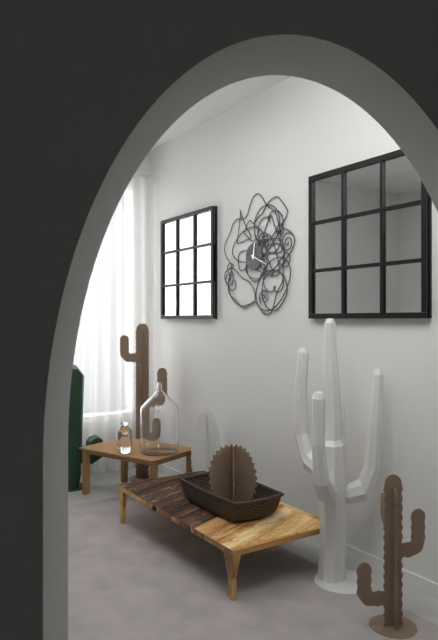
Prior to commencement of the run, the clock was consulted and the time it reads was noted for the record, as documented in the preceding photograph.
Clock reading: 12:19
